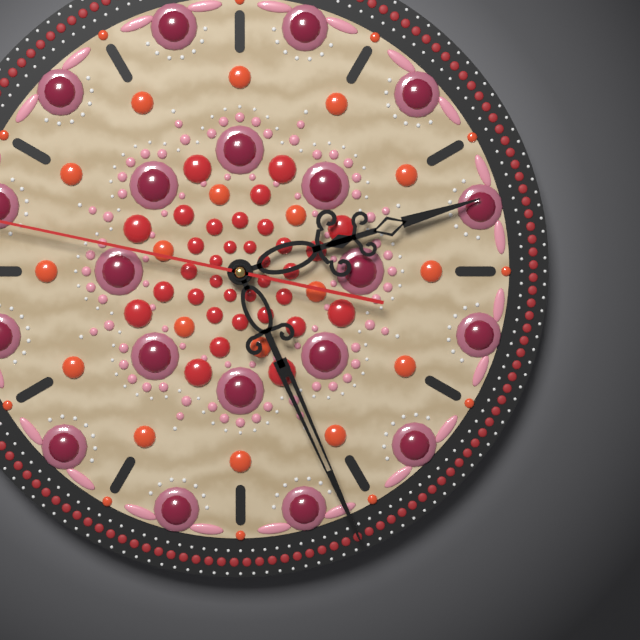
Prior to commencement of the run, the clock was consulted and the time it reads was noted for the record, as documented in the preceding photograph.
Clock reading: 2:26
